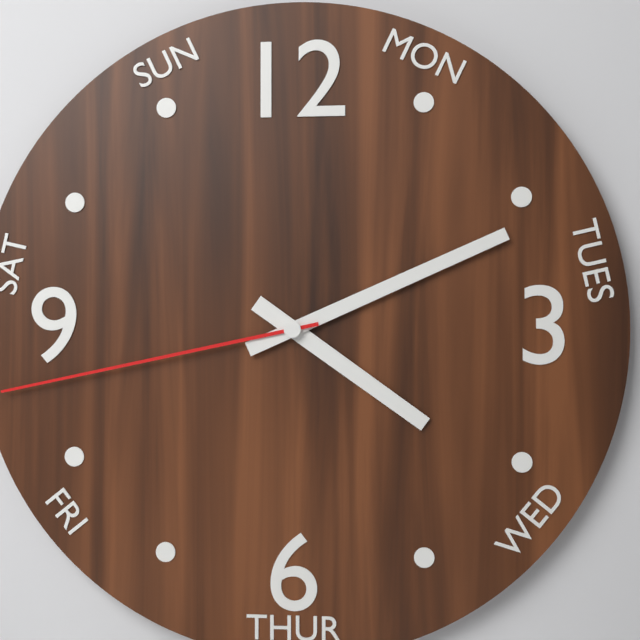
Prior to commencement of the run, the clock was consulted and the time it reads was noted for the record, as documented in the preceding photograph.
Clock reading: 4:11:43
